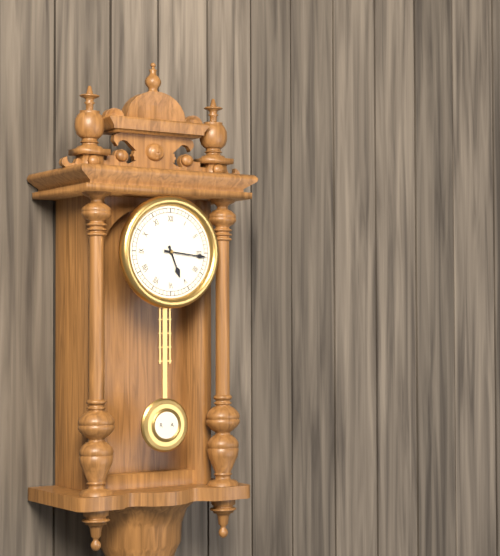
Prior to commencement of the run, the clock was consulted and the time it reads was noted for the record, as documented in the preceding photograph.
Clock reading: 5:16
